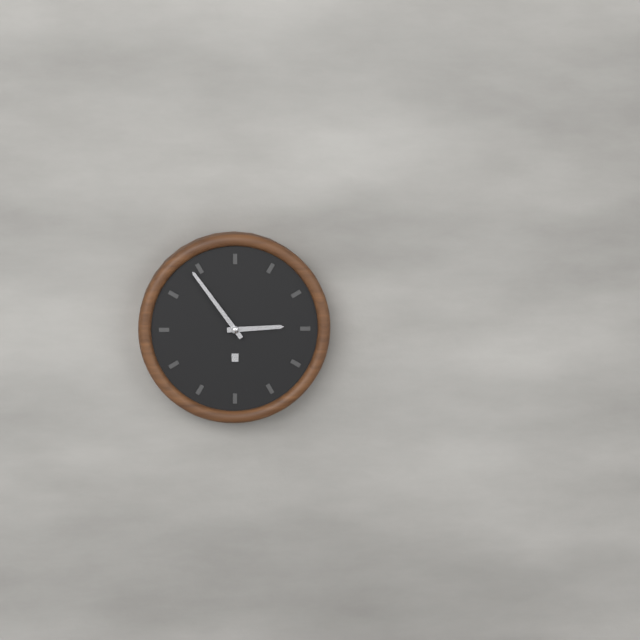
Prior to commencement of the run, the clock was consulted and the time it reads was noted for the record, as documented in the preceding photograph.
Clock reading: 2:54
